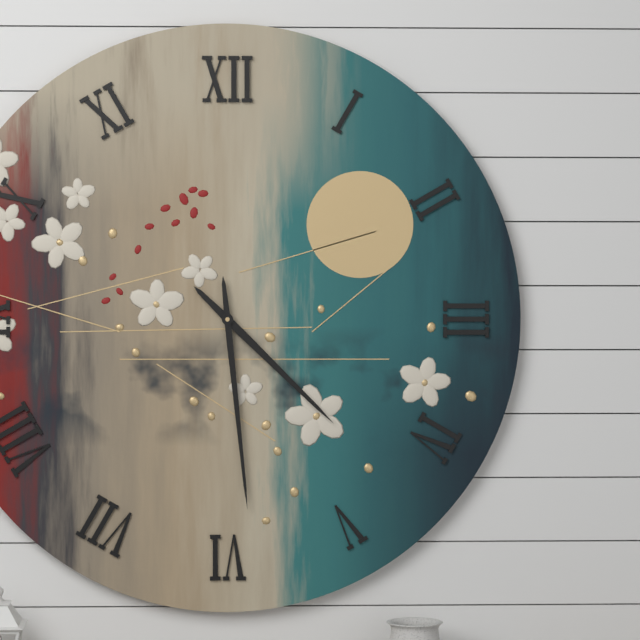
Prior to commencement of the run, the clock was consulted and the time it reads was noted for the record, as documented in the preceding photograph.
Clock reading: 4:29
